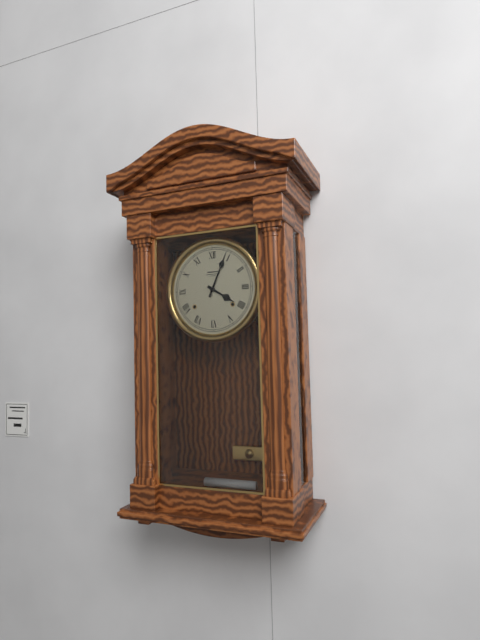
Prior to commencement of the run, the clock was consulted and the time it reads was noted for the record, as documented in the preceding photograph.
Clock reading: 4:04
